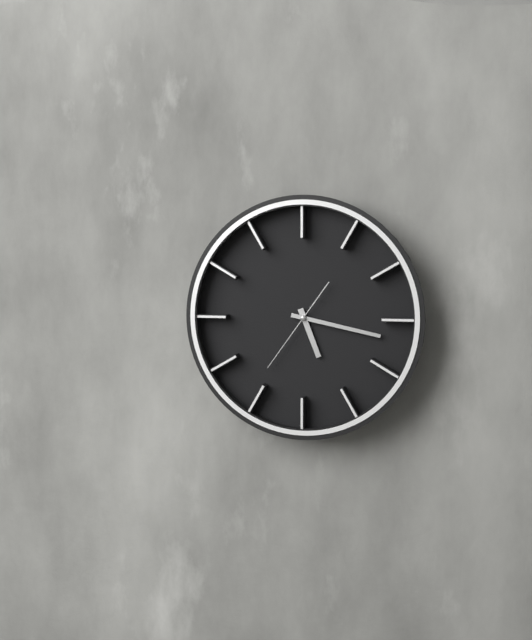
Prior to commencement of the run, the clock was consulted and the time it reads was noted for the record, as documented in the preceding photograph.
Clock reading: 5:17:36
